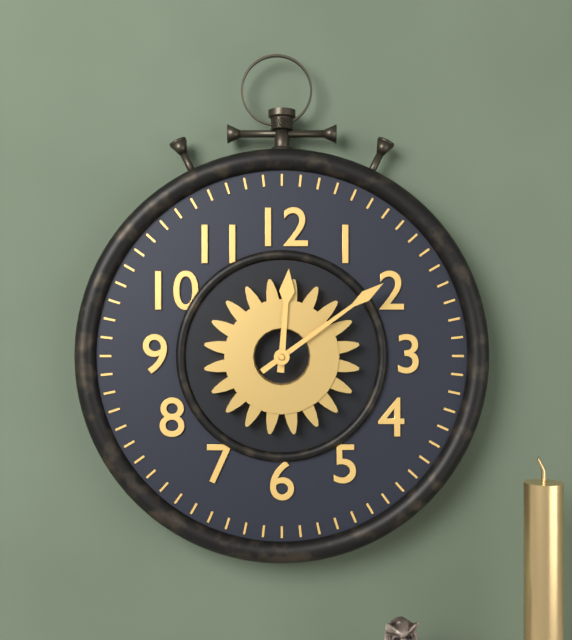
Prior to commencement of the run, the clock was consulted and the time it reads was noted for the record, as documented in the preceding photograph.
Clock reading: 12:09
